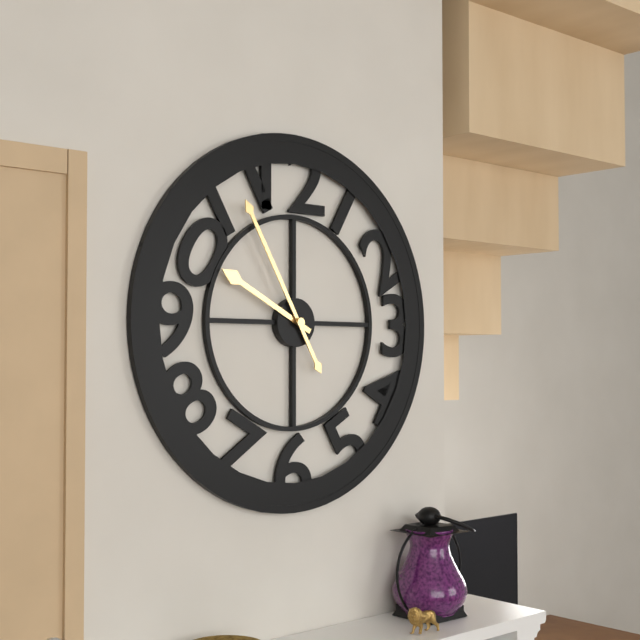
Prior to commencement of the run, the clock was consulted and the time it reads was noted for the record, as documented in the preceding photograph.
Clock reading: 9:55
